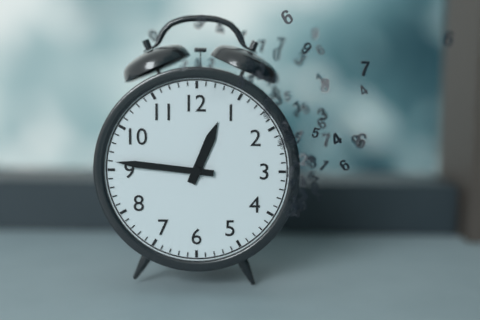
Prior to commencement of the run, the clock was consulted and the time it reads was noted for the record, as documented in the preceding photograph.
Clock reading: 12:46
